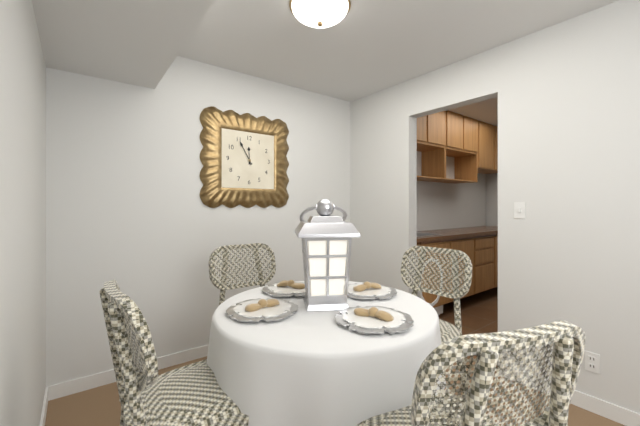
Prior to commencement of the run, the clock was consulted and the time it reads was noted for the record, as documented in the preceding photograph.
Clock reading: 11:55
